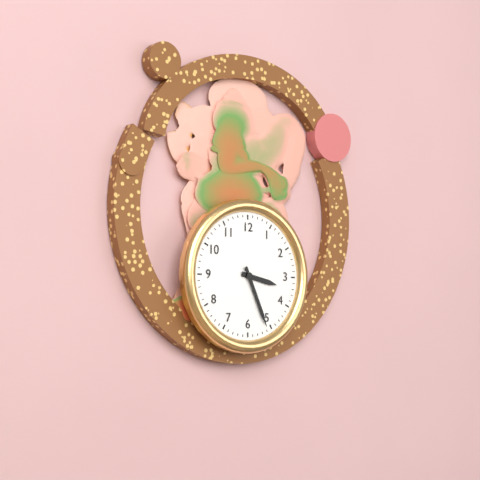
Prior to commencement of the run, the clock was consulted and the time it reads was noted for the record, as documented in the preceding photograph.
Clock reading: 3:26
